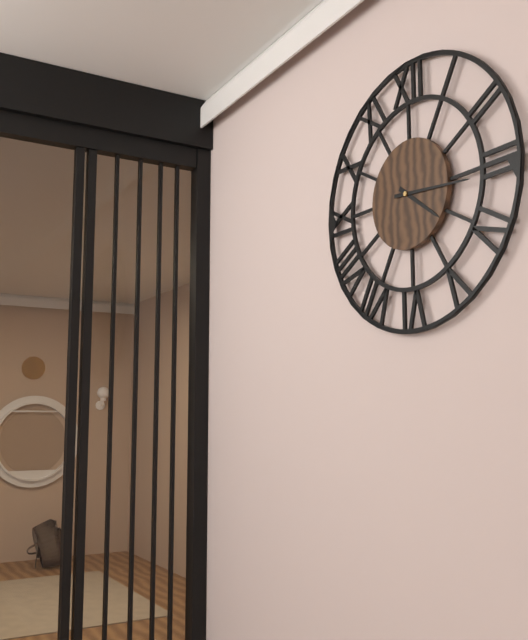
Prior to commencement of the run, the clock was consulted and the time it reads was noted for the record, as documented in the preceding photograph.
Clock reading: 4:16
